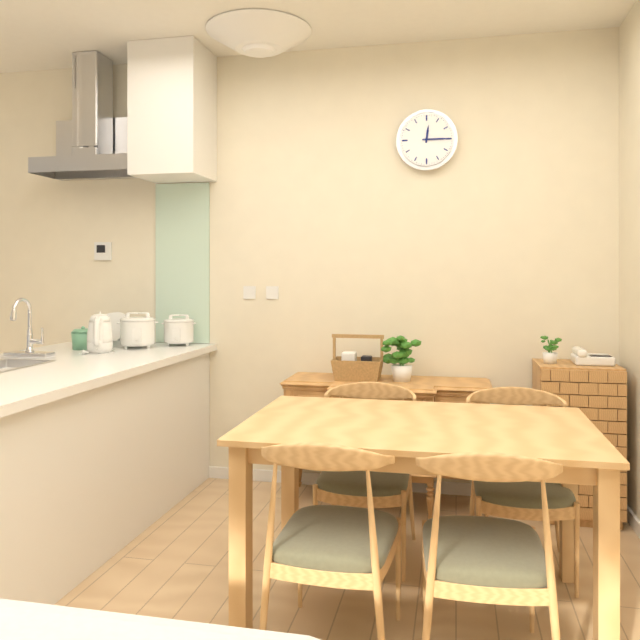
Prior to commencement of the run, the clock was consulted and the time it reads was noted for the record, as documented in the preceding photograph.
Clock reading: 12:15
